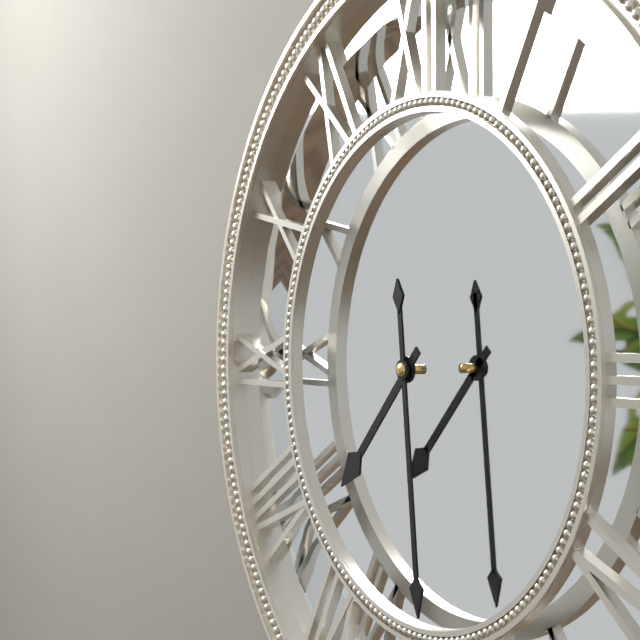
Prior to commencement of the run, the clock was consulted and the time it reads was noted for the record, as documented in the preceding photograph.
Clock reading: 7:29
